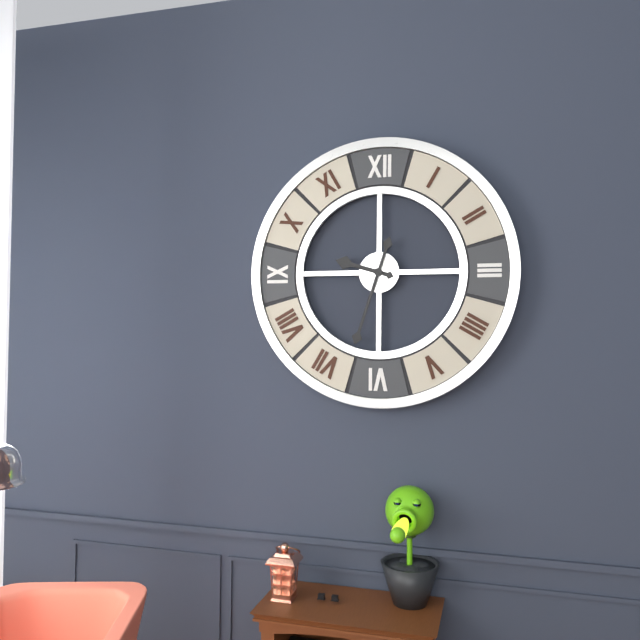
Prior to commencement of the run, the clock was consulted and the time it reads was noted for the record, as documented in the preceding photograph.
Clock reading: 9:33
